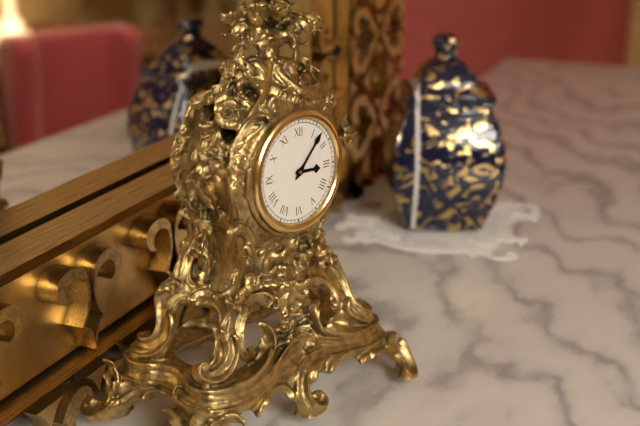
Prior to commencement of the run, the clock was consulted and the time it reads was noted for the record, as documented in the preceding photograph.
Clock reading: 3:07
